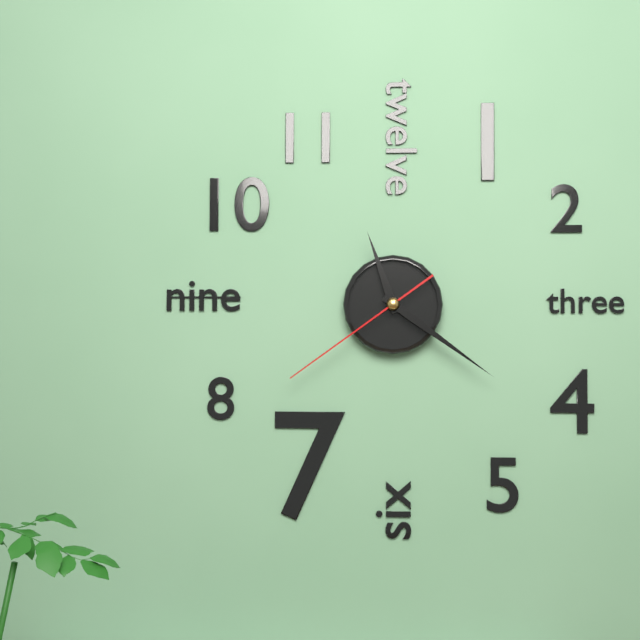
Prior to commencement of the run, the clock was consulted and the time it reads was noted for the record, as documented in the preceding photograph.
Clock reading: 11:21:39
